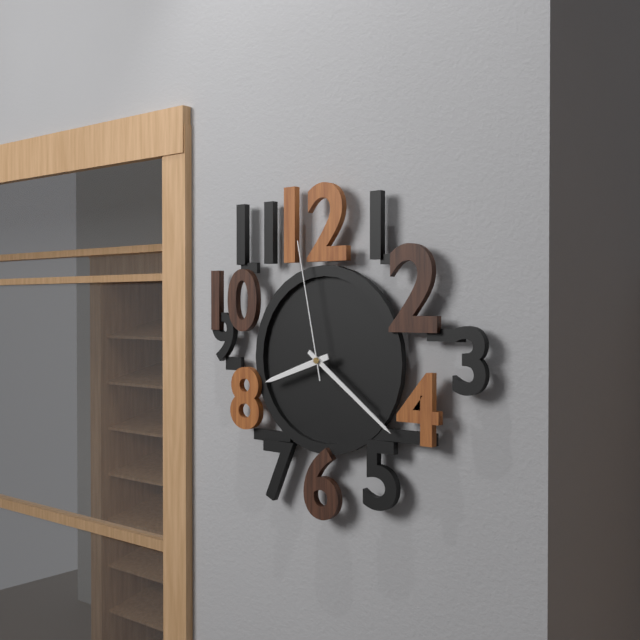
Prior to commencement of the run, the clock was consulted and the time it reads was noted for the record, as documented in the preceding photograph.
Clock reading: 8:21:58
